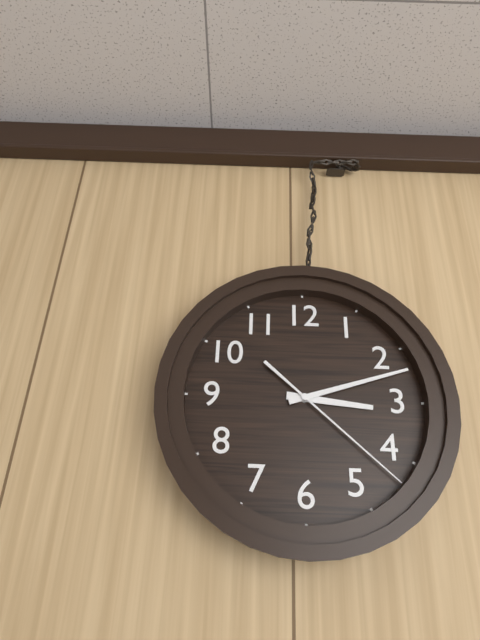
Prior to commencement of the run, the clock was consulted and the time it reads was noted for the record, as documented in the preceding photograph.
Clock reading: 3:12:22
